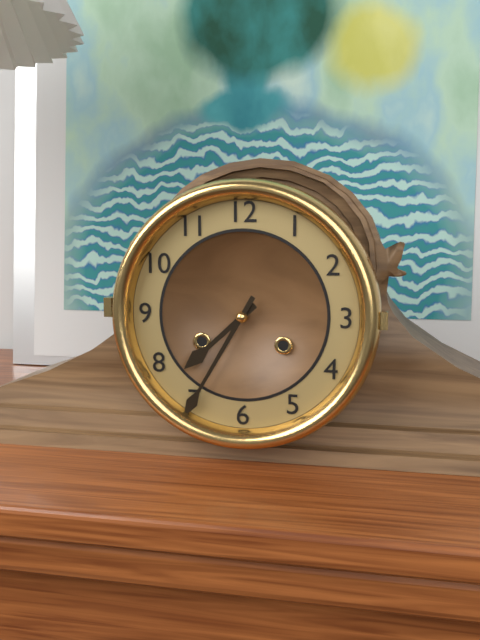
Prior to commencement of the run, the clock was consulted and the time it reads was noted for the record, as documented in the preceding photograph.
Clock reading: 7:35
